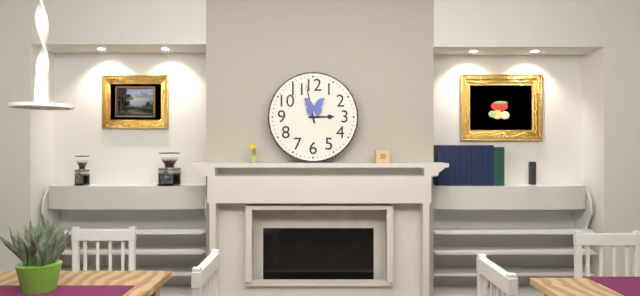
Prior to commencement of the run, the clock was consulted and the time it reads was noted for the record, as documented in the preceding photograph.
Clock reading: 2:58
